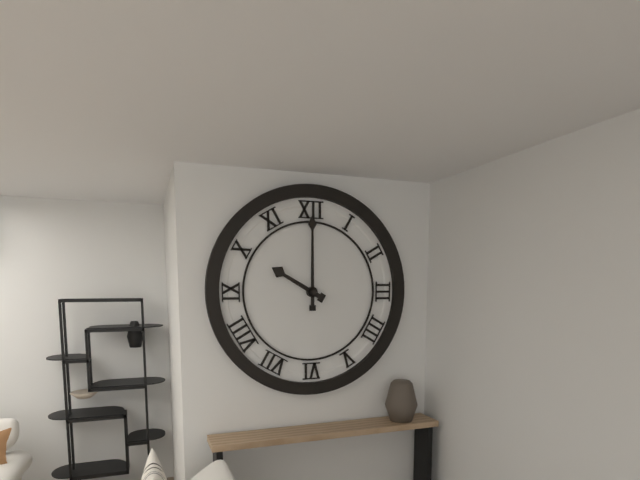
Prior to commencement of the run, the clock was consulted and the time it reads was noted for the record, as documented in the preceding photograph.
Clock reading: 10:00
